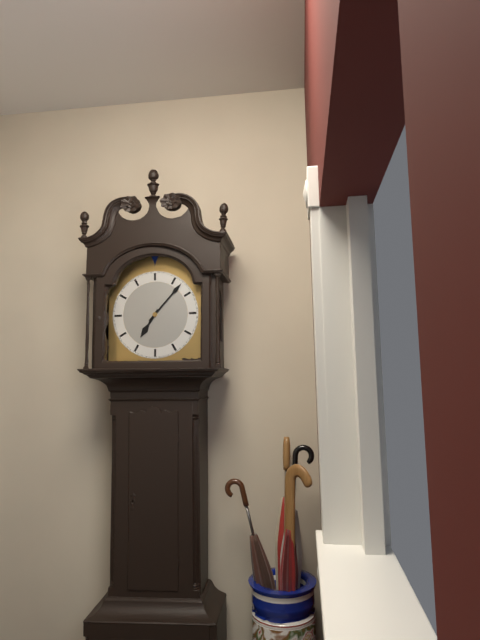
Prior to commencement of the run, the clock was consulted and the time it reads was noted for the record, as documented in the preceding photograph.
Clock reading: 7:07
